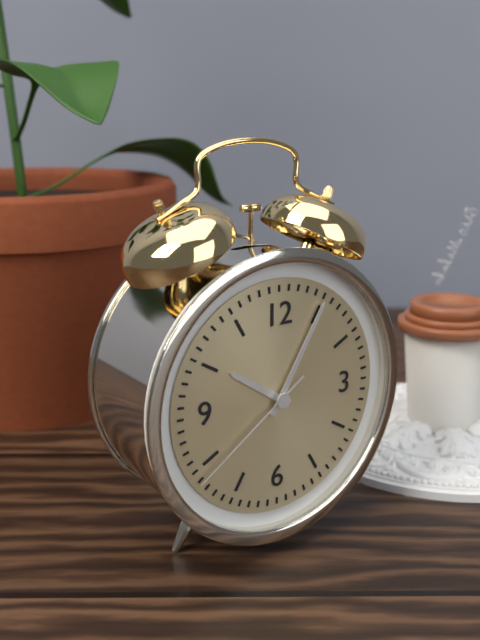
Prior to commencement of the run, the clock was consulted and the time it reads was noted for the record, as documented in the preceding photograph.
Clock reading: 10:05:39
